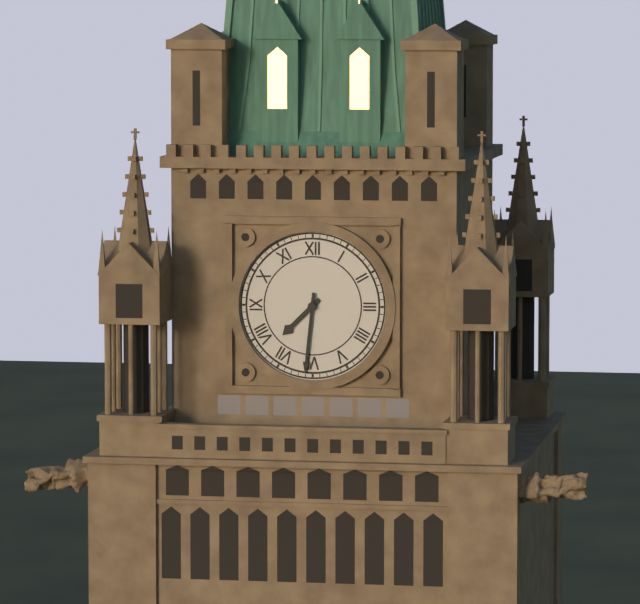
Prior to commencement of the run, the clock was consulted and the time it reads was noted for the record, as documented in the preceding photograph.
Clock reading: 7:31
